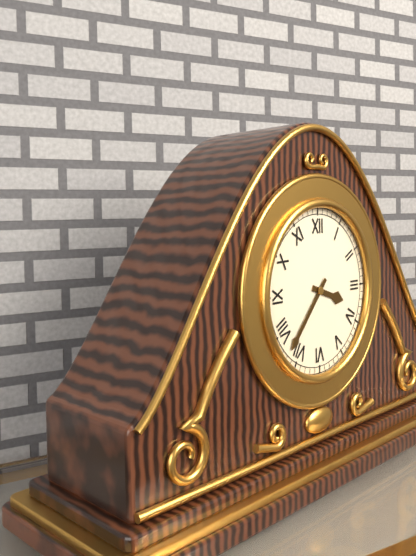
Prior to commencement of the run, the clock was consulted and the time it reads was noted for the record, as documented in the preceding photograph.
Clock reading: 3:37
